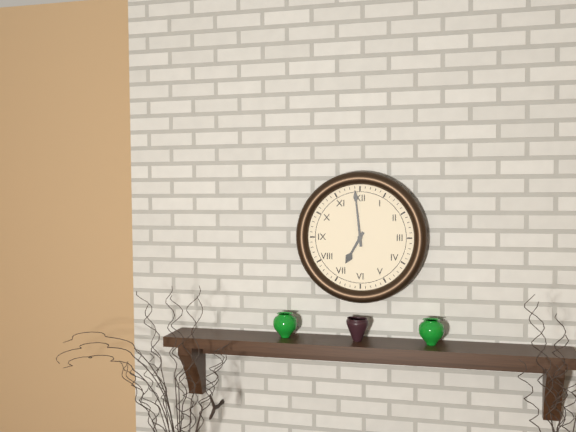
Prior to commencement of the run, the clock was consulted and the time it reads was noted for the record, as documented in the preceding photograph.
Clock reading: 6:59
